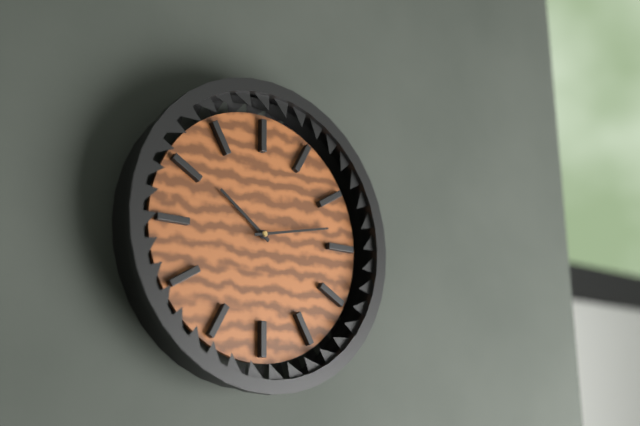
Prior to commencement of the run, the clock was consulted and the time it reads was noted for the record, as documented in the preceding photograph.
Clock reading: 10:13
